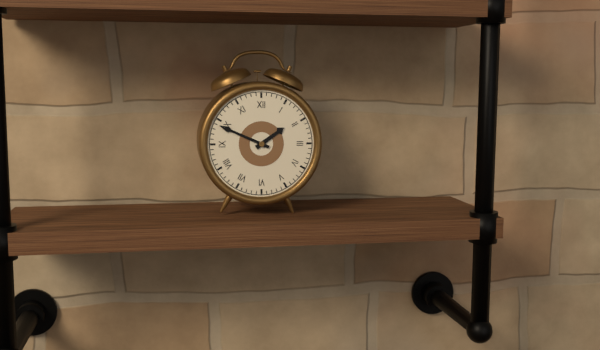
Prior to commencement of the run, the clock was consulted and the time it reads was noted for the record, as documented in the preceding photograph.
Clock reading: 1:49
